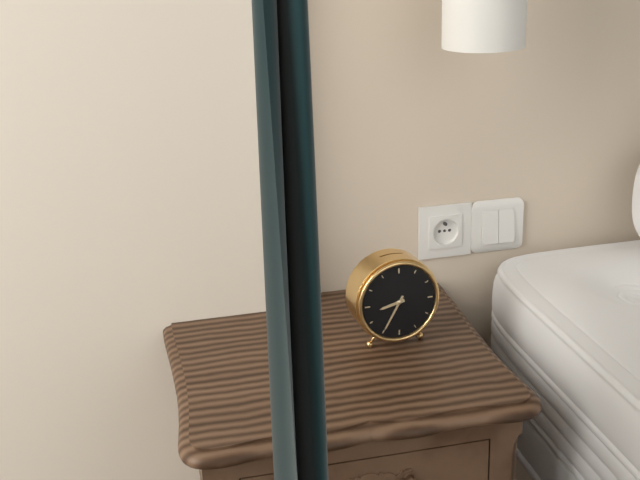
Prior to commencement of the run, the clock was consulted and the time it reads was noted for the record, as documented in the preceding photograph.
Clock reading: 8:35
